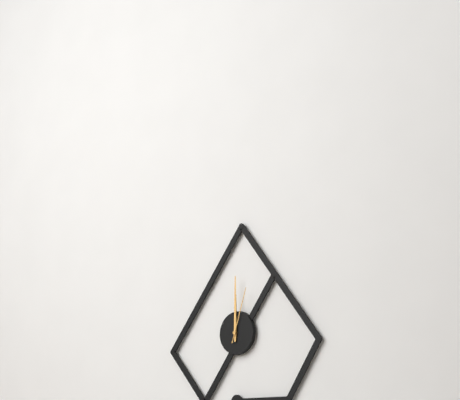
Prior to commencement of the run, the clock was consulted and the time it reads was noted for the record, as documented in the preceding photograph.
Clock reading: 12:00:03
